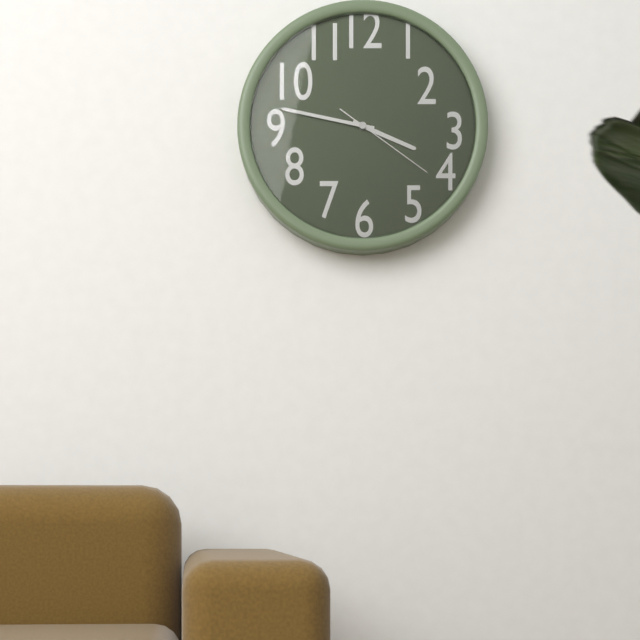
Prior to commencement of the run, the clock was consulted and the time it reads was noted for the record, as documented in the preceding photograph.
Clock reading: 3:47:21
